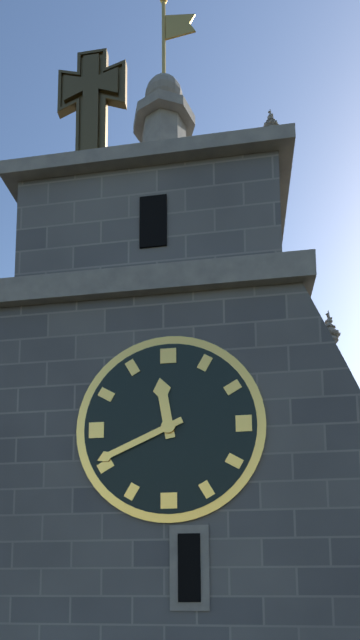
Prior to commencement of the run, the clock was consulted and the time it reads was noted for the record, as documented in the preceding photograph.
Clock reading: 11:41
